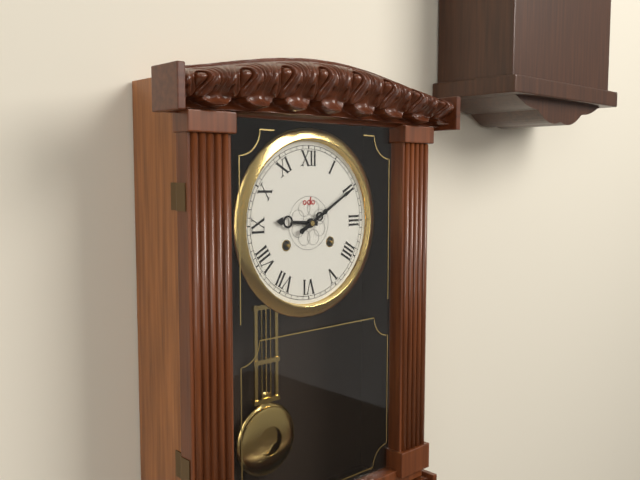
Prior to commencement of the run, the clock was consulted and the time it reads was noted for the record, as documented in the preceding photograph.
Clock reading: 9:10
